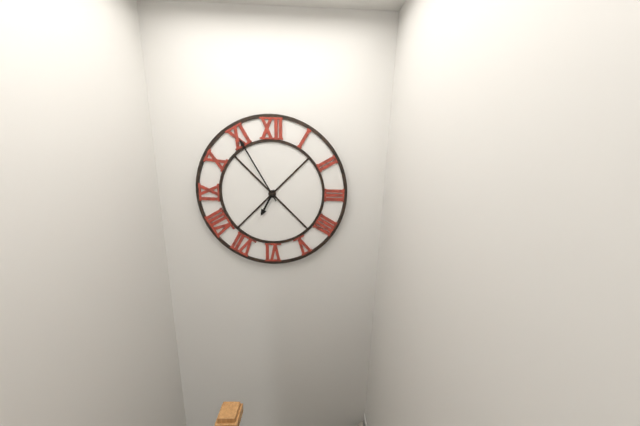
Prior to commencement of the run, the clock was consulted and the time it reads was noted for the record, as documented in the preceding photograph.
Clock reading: 6:55
